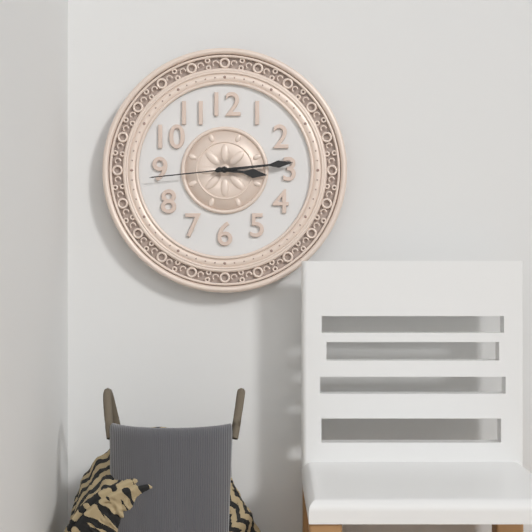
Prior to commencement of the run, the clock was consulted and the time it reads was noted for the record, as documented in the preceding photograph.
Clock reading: 3:14:44
